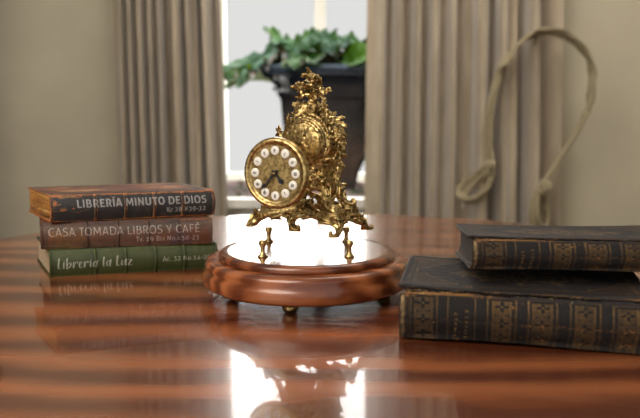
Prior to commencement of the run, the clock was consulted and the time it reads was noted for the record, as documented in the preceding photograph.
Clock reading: 4:37
